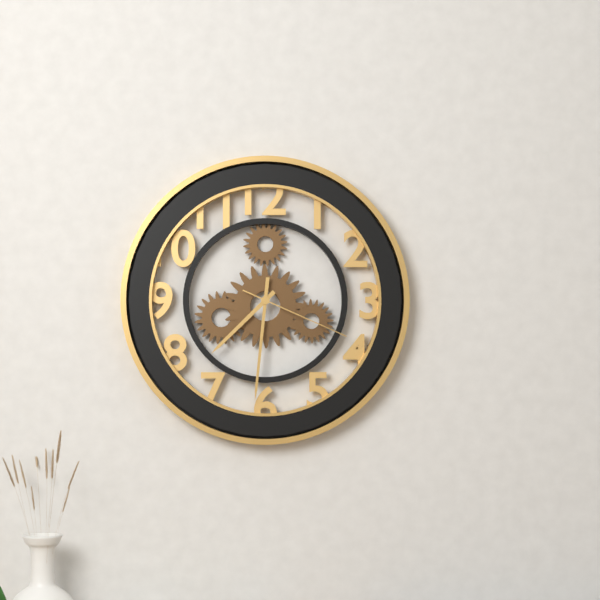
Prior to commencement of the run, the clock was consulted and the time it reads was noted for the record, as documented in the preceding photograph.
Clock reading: 7:31:19
